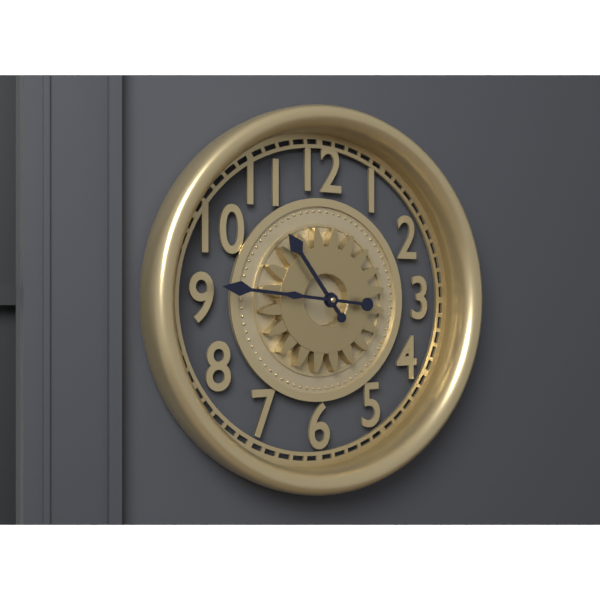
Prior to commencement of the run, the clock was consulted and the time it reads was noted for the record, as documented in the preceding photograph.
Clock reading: 10:46
